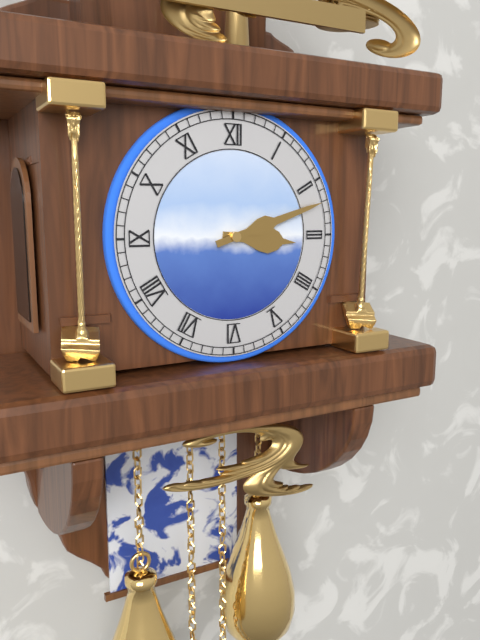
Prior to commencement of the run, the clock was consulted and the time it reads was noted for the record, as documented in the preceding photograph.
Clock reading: 3:12
